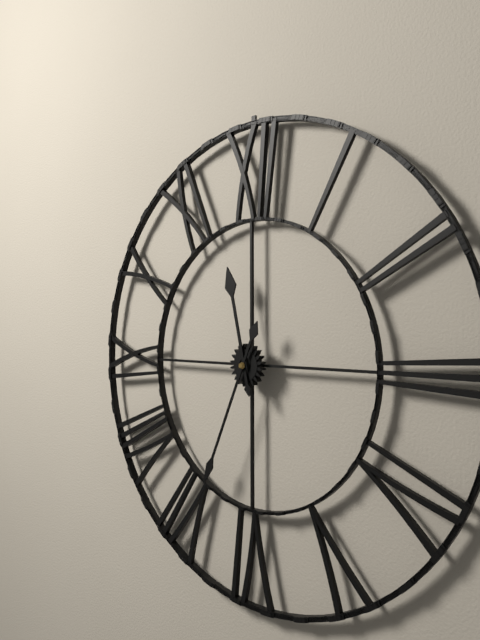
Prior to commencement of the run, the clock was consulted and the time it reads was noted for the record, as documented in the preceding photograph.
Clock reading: 11:34
